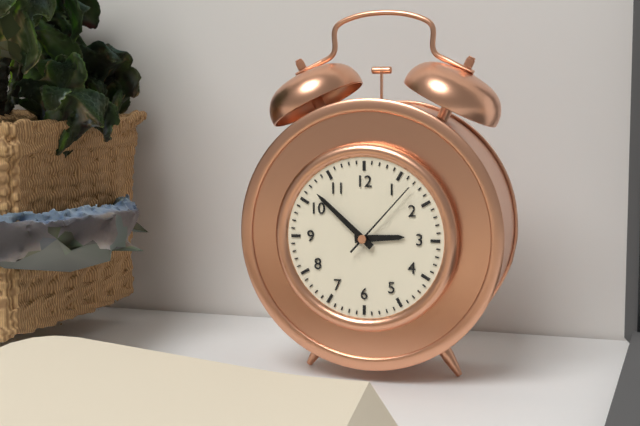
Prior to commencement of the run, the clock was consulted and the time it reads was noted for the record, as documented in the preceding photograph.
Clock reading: 2:52:07
